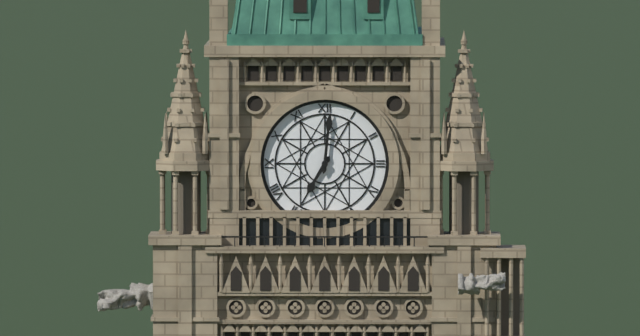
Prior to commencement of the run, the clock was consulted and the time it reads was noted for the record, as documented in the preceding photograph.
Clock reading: 7:01
